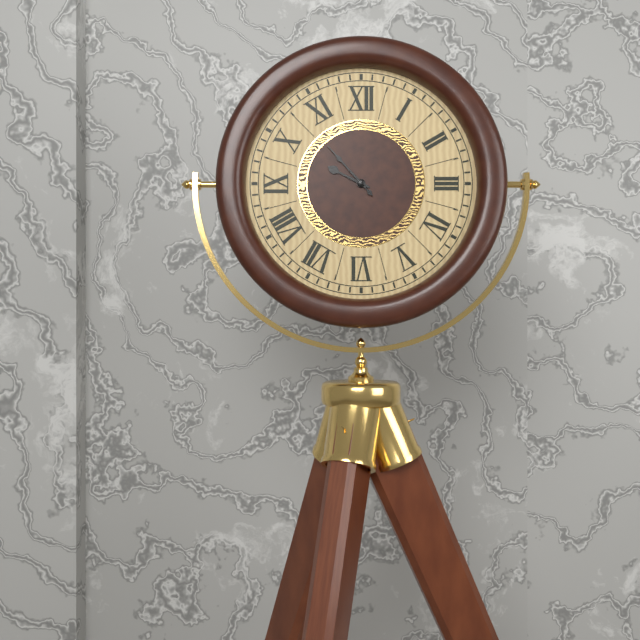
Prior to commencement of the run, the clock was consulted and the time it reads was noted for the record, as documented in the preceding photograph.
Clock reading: 9:53
